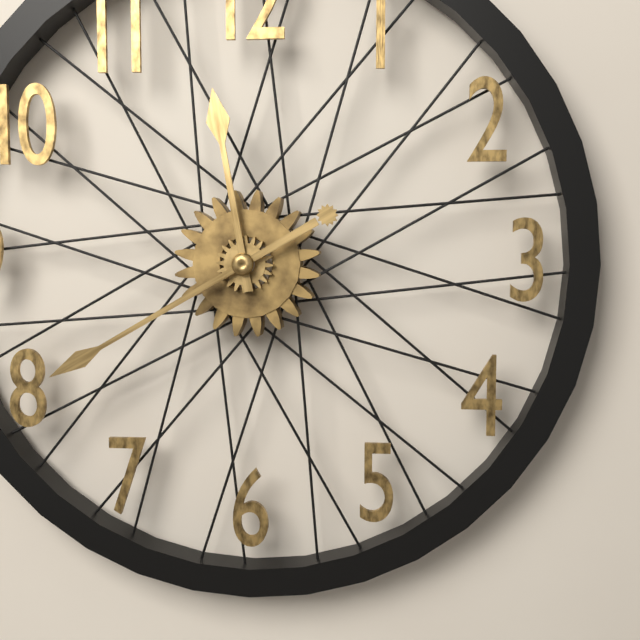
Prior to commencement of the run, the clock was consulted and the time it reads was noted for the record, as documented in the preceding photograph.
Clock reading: 11:40
